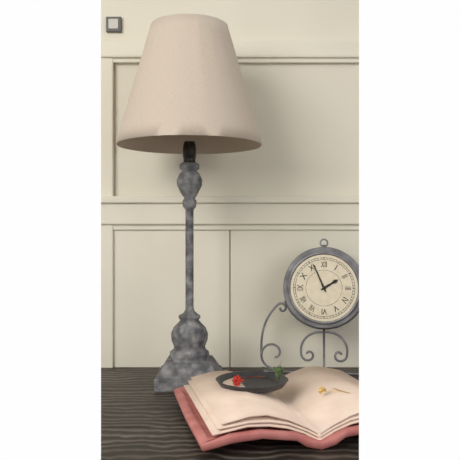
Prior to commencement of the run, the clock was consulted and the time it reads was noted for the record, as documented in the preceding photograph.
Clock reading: 1:56
